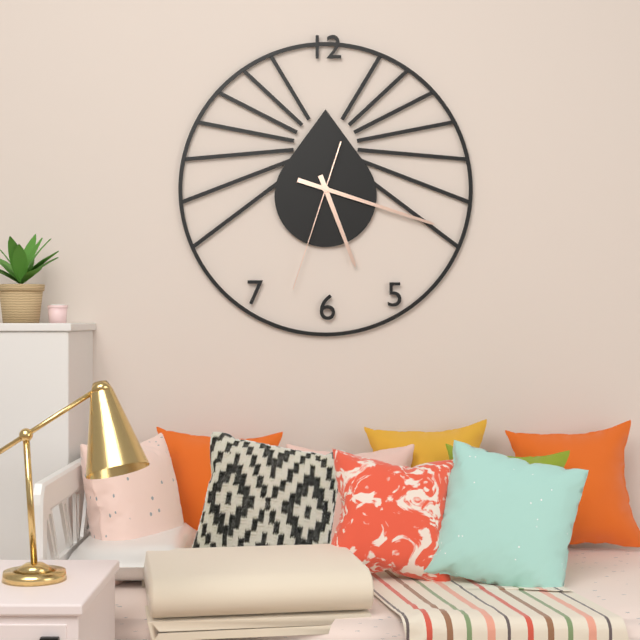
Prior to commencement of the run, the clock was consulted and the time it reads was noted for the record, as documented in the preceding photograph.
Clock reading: 5:18:33
